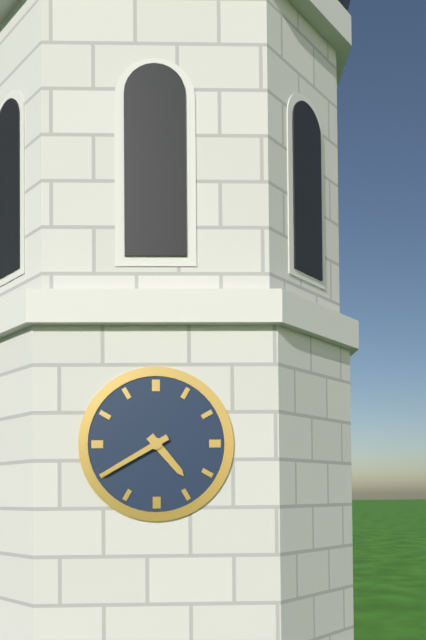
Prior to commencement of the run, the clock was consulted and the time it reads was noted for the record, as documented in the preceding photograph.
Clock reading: 4:40
